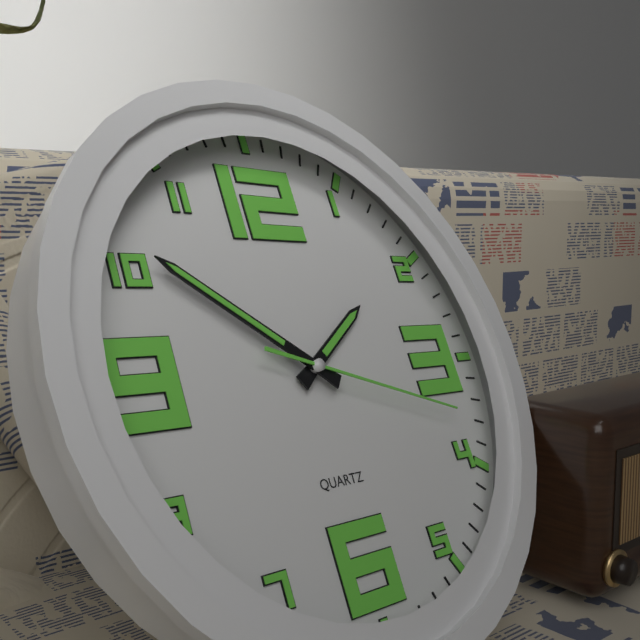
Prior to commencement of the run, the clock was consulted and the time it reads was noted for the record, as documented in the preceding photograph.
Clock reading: 1:51:18
